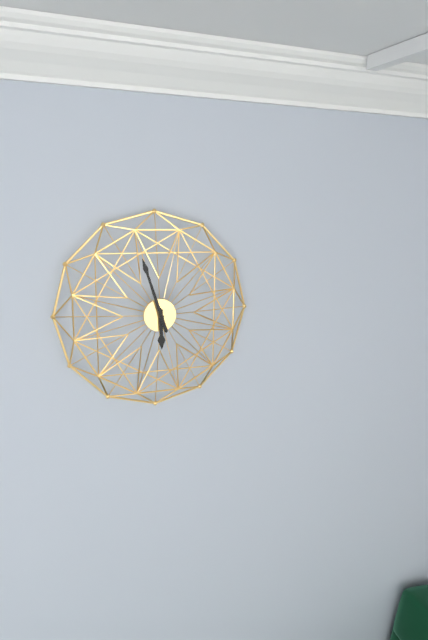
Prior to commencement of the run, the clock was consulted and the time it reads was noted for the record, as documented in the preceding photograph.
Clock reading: 5:57
